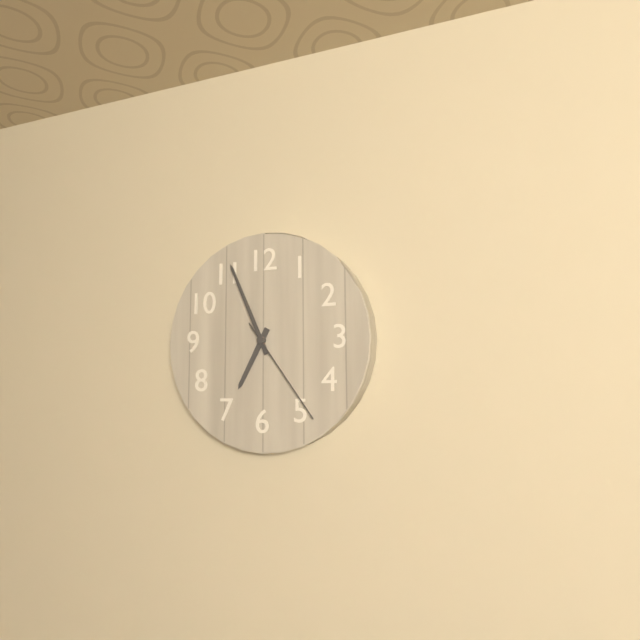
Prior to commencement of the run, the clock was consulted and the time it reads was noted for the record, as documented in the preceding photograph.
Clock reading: 6:56:24
